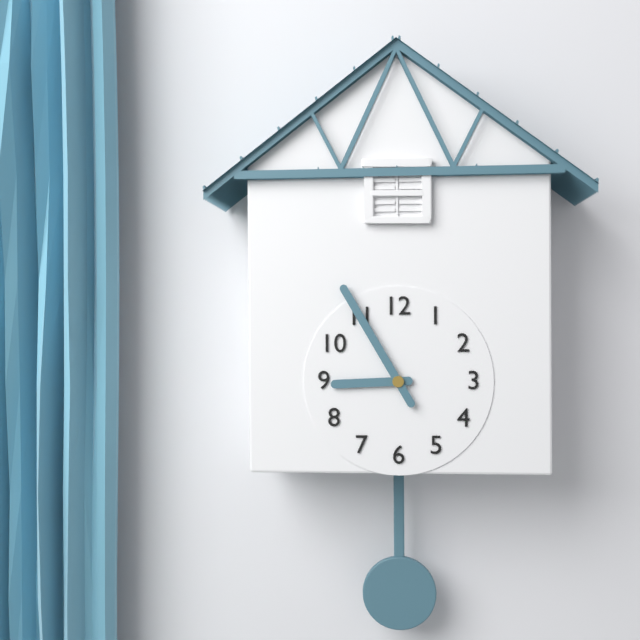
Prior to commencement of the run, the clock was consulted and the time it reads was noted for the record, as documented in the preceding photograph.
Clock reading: 8:55
